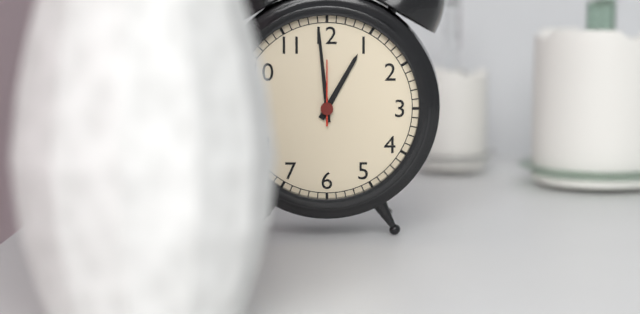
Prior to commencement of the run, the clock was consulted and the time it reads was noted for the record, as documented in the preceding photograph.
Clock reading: 12:59:00
